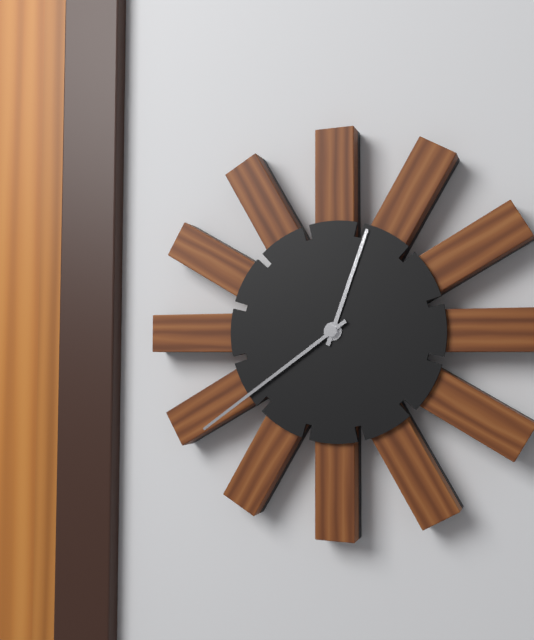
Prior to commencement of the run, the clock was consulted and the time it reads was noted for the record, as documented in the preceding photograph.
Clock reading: 12:39
